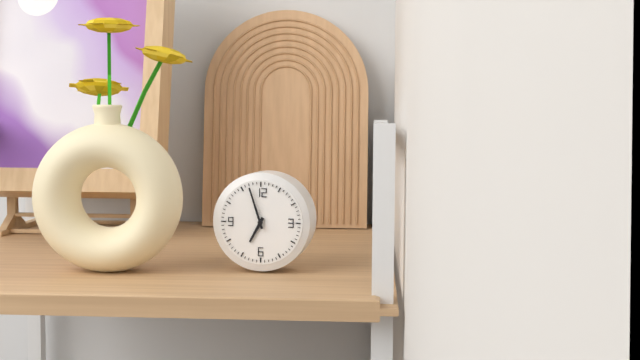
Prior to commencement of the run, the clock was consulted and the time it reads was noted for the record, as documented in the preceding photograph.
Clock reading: 6:57
